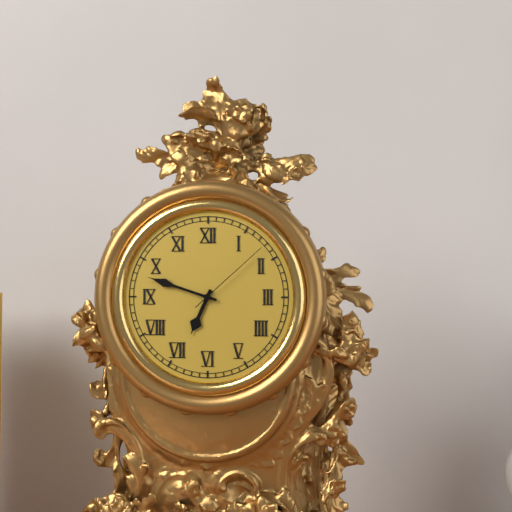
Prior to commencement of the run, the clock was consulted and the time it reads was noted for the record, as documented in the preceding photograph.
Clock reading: 6:48:08
